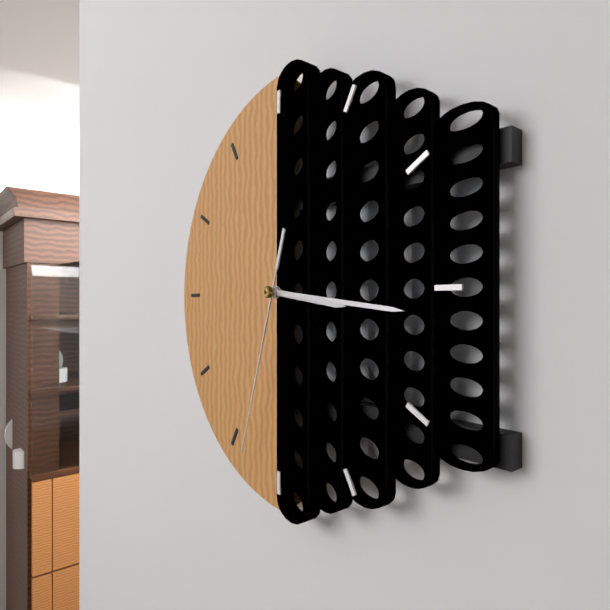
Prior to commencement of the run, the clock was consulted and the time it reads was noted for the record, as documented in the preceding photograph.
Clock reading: 3:16:33
